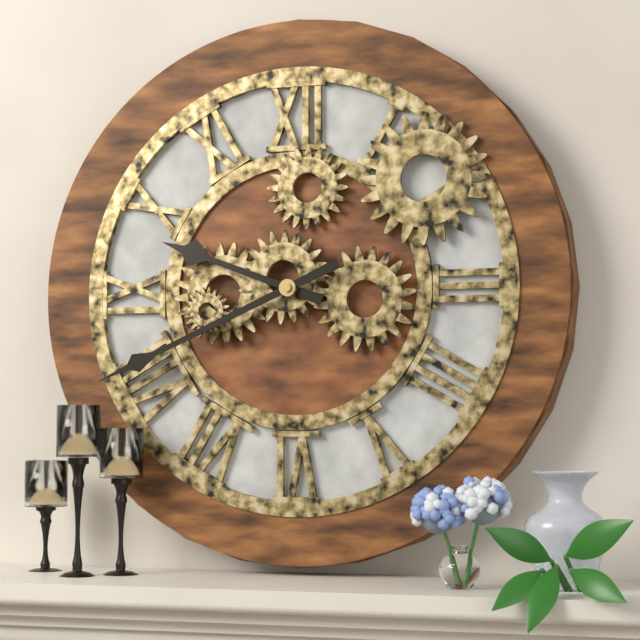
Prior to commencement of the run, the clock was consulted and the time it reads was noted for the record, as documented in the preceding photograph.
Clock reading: 9:41
